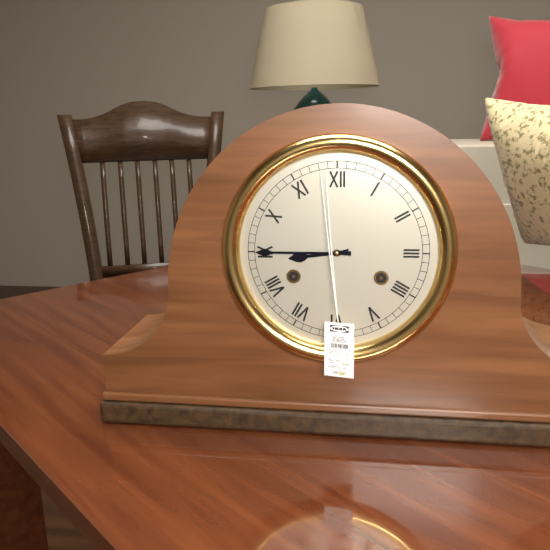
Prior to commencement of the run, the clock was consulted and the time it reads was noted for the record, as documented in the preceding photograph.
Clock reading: 8:45
